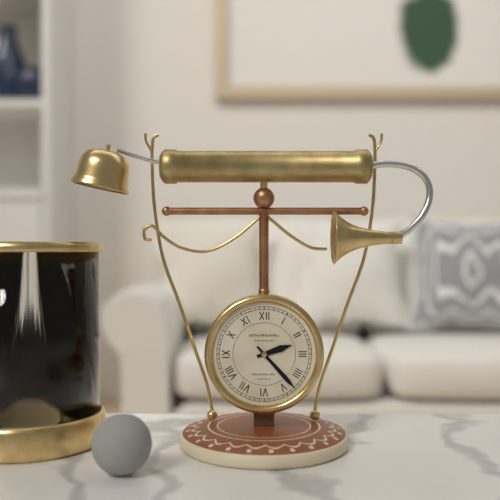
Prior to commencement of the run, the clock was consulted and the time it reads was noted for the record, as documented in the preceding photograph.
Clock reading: 2:23
